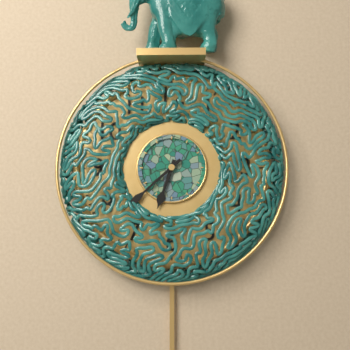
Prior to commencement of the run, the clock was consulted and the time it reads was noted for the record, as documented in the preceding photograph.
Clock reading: 6:38
